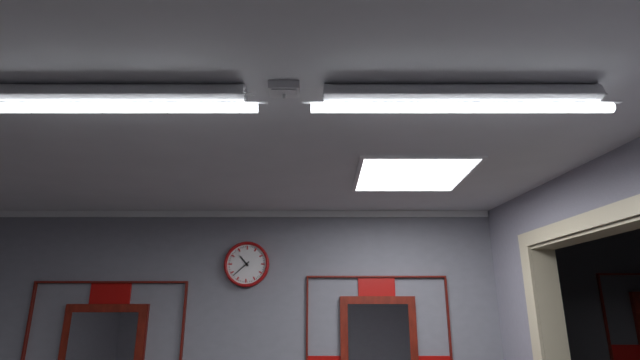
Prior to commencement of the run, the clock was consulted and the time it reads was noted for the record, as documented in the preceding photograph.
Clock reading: 10:38
